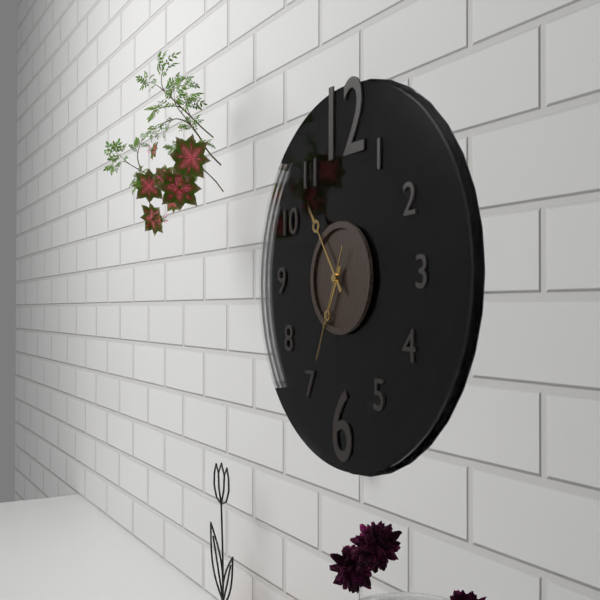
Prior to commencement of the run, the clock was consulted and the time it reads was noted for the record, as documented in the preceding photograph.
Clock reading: 6:54:34
